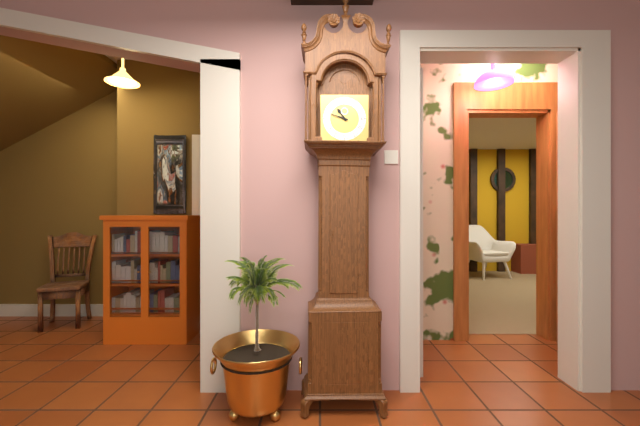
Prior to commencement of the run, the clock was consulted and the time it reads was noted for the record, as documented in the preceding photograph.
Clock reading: 10:48
